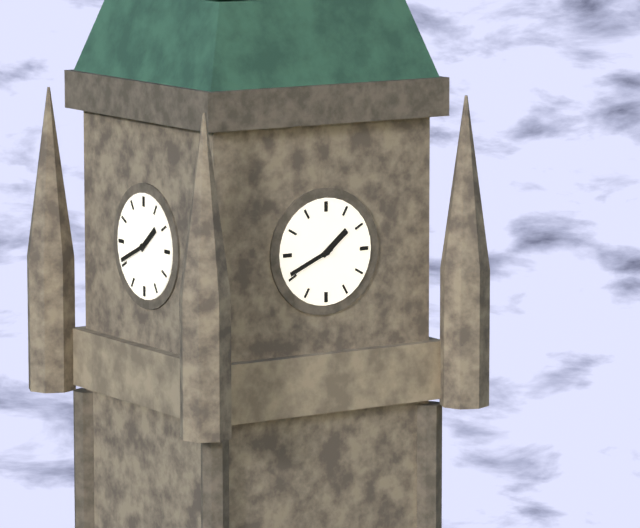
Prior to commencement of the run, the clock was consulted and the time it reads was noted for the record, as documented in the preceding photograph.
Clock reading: 1:41
